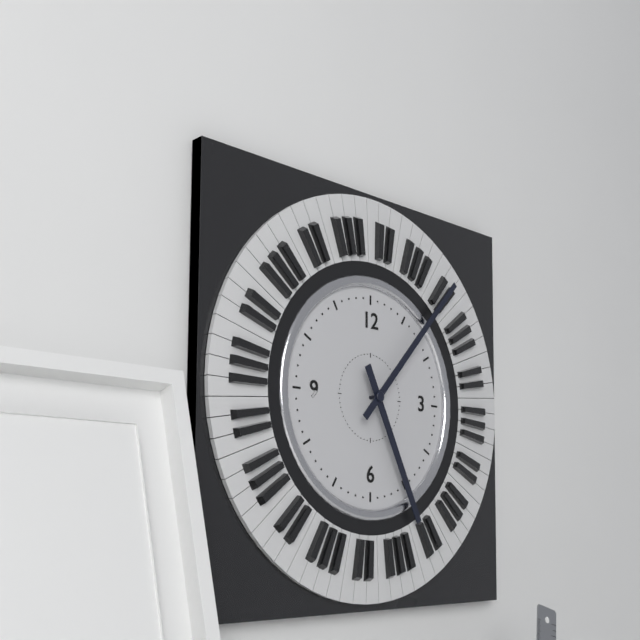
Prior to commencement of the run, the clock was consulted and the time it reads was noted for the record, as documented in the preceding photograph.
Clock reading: 5:07
